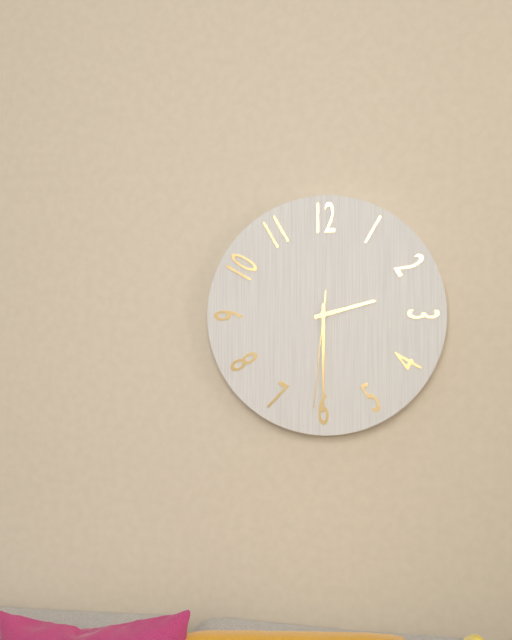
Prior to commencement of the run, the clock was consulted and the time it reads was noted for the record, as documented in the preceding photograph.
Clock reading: 2:30:31
